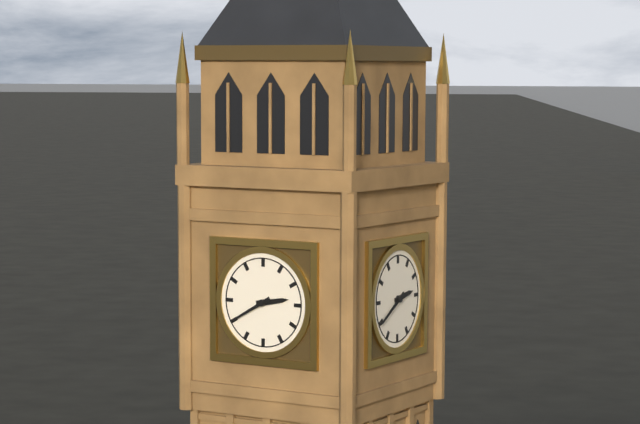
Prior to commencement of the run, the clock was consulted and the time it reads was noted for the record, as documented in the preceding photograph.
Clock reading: 2:40
